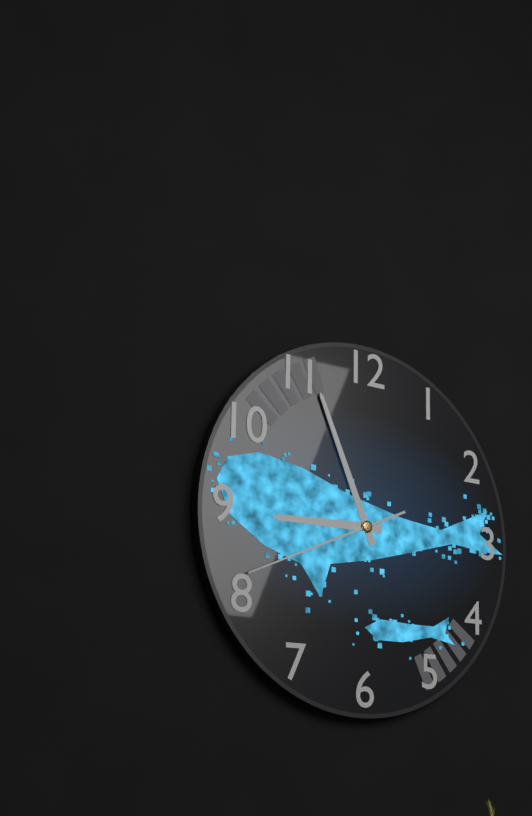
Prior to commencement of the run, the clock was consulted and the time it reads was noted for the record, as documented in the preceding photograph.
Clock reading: 8:56:41
